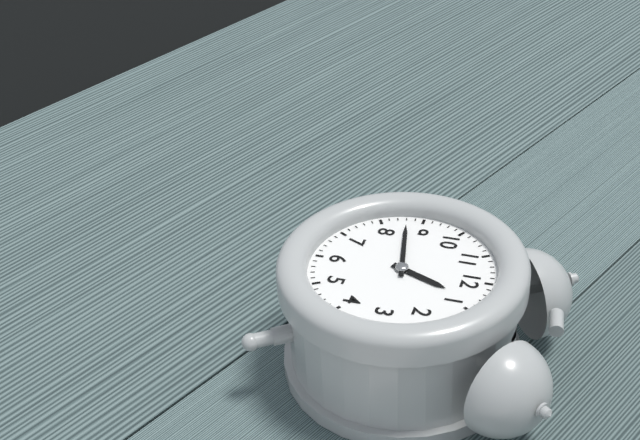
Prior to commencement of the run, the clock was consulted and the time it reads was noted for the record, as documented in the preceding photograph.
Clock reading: 12:43
